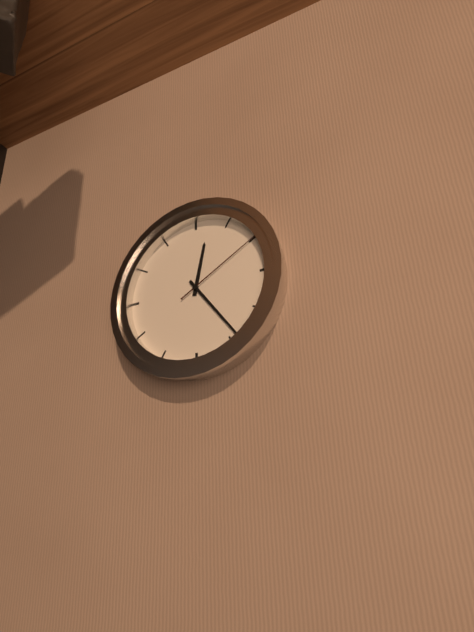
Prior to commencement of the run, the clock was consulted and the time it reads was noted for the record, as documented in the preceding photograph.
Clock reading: 12:24:10
